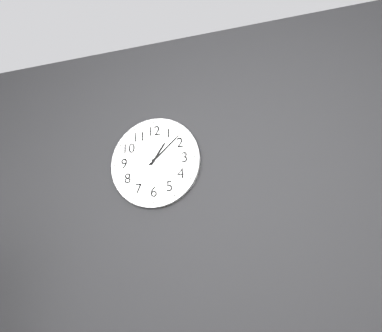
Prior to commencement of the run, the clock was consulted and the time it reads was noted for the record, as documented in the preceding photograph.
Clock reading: 1:08
